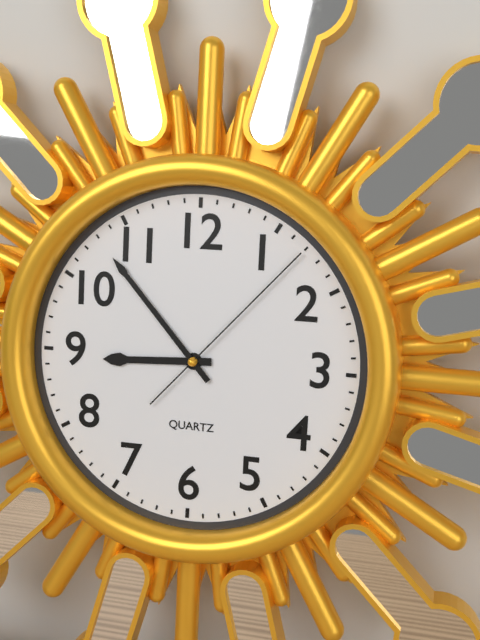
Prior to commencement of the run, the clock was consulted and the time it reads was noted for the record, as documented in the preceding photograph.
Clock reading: 8:53:07
